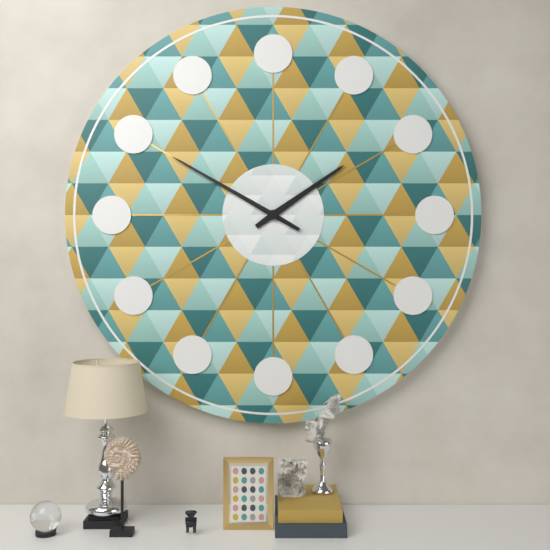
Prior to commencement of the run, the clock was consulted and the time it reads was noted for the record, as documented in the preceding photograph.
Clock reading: 1:50
